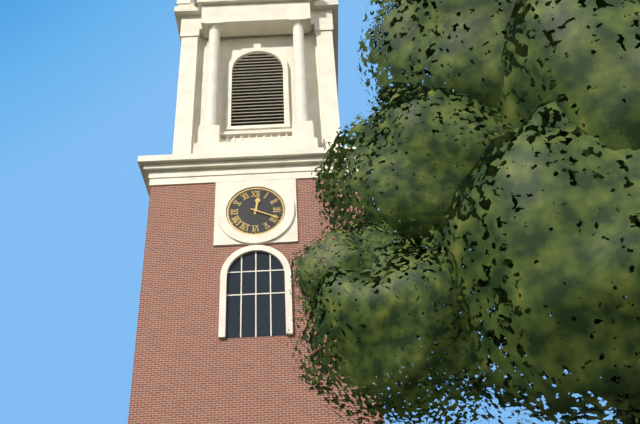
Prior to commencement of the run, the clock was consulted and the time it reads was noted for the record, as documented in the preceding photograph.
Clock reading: 12:19
